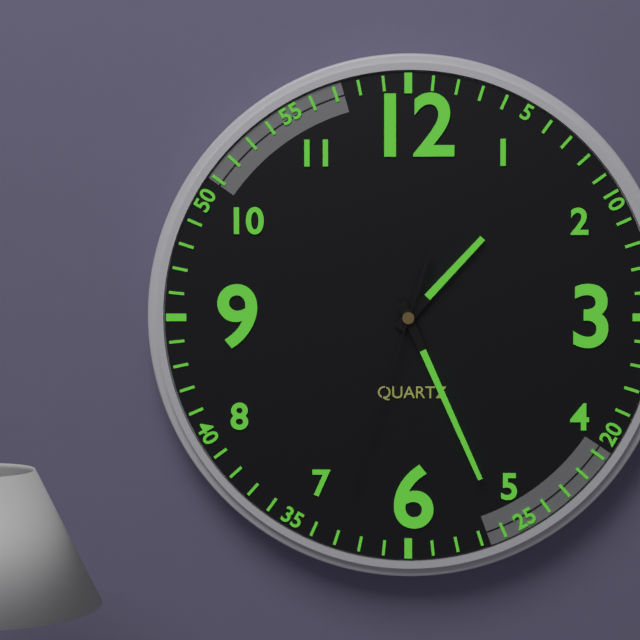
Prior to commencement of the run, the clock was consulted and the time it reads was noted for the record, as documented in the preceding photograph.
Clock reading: 1:26:33
